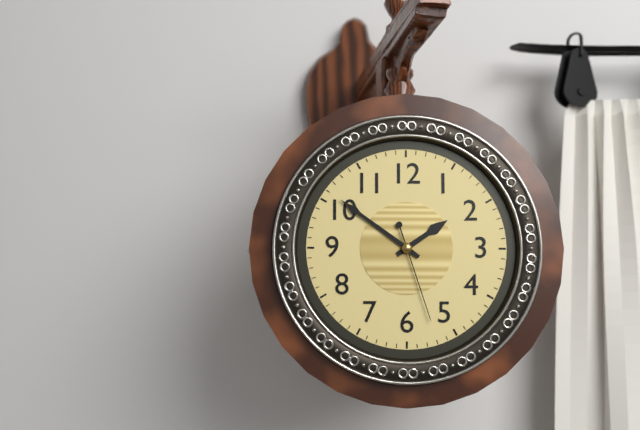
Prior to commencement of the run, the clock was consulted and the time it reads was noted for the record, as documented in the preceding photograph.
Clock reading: 1:51:27
